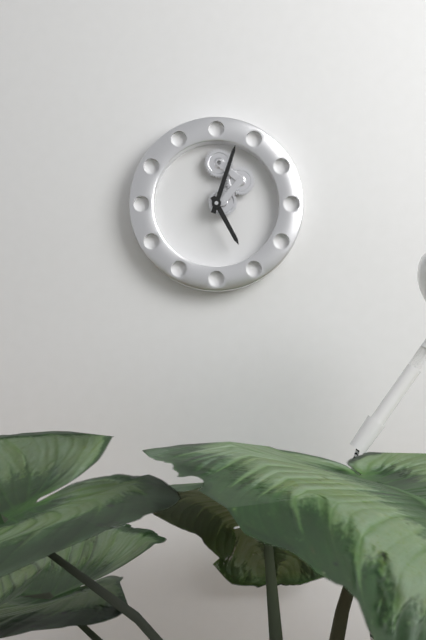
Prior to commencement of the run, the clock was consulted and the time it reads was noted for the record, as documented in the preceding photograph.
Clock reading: 5:03
